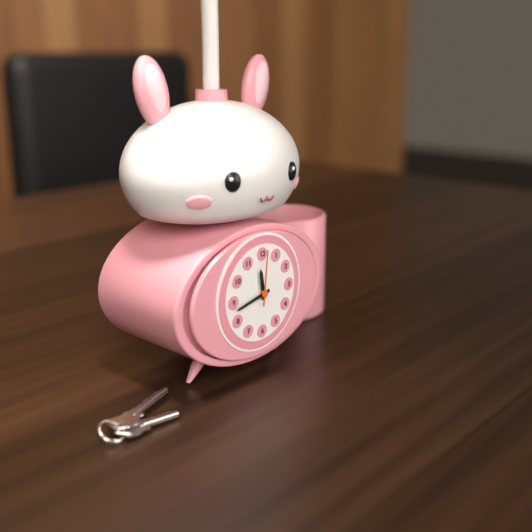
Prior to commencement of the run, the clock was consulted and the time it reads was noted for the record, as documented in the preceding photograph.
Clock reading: 11:43:01
